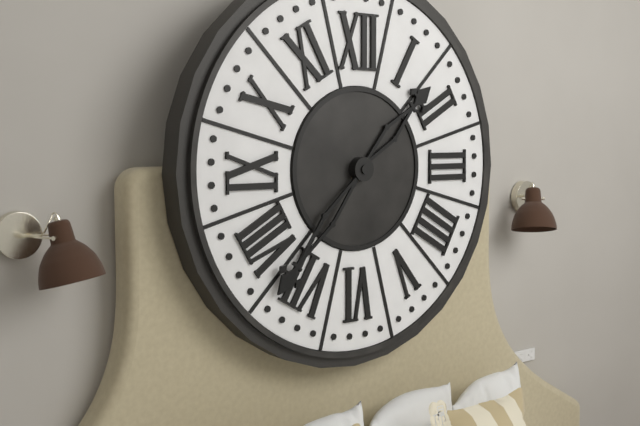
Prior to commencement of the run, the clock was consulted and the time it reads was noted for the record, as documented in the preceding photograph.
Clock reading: 1:37
